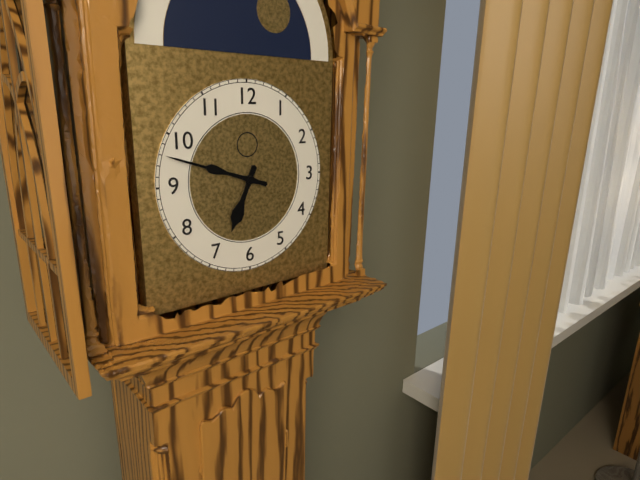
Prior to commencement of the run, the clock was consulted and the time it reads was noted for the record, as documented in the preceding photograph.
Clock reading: 6:48
